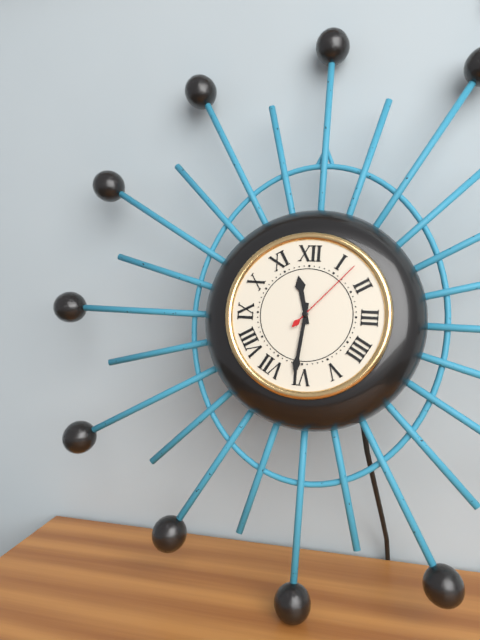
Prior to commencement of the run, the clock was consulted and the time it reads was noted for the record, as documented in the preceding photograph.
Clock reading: 11:31:07
